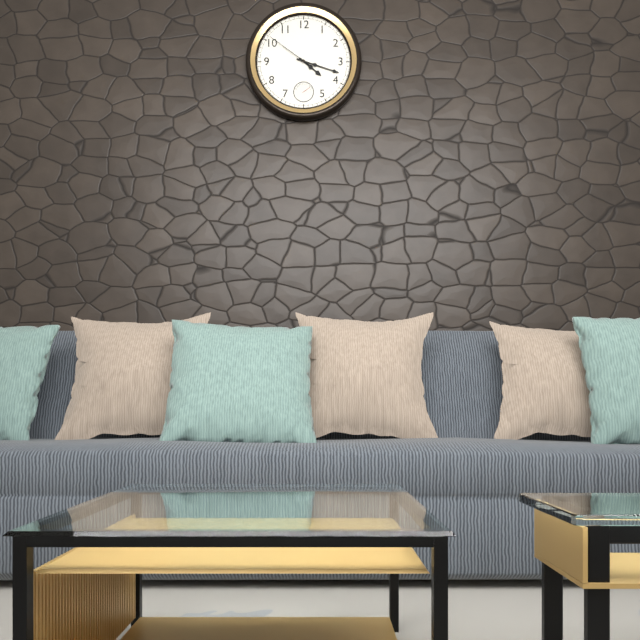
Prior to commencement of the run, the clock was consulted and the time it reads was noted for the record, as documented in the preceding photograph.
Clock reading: 4:18:51
